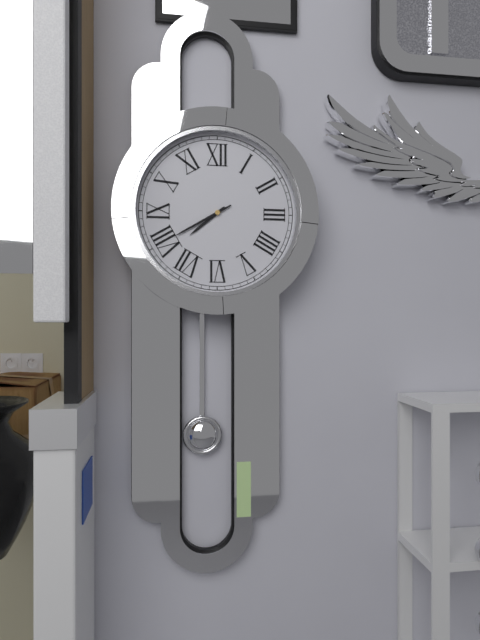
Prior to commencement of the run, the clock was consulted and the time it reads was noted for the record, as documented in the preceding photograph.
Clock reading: 7:40
